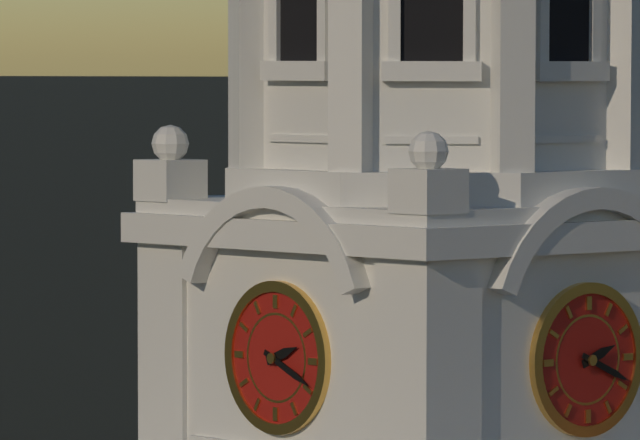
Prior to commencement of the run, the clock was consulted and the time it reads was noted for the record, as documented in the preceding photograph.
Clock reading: 2:19
